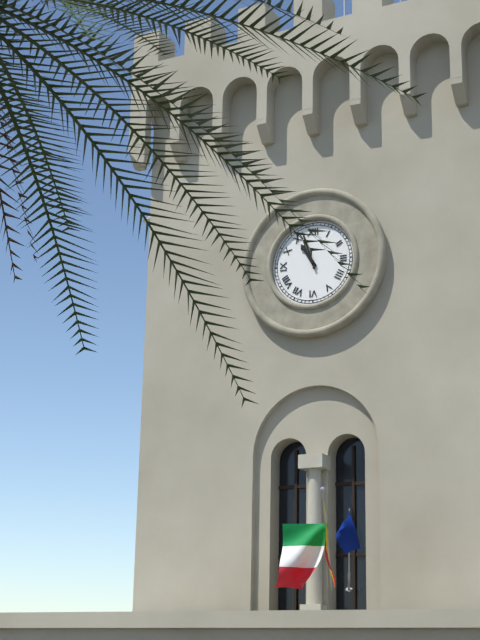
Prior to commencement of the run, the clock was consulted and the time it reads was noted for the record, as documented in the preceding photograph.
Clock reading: 10:57
